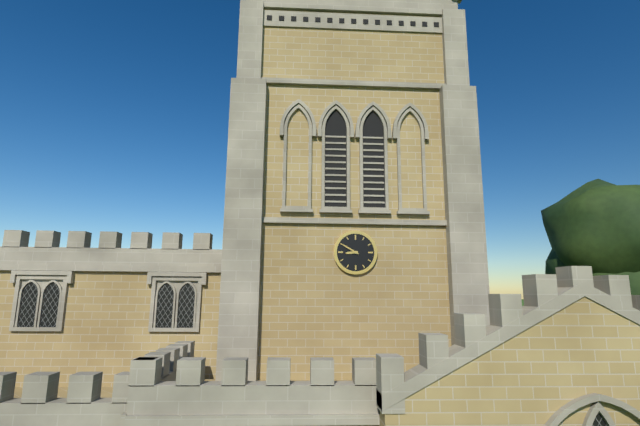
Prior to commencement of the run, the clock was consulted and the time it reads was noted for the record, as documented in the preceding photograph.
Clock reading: 8:50
